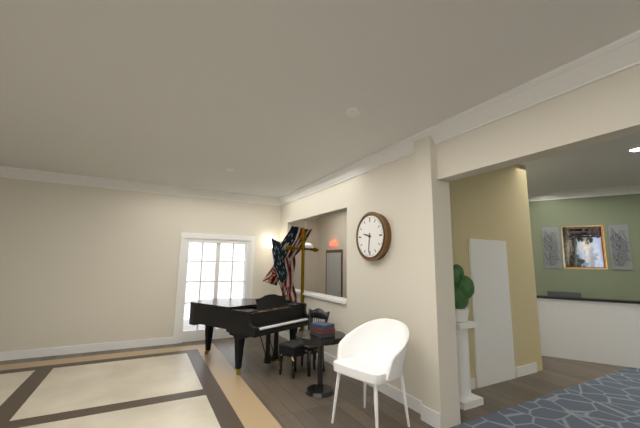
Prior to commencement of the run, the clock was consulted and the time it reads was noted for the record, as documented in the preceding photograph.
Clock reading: 9:31
